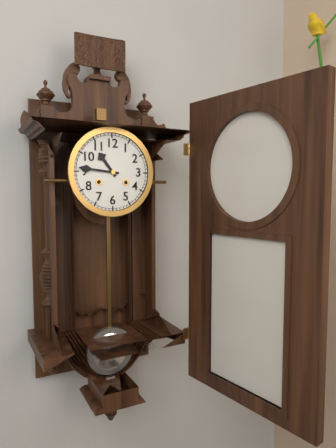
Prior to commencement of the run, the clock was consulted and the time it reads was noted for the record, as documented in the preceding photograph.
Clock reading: 10:46
